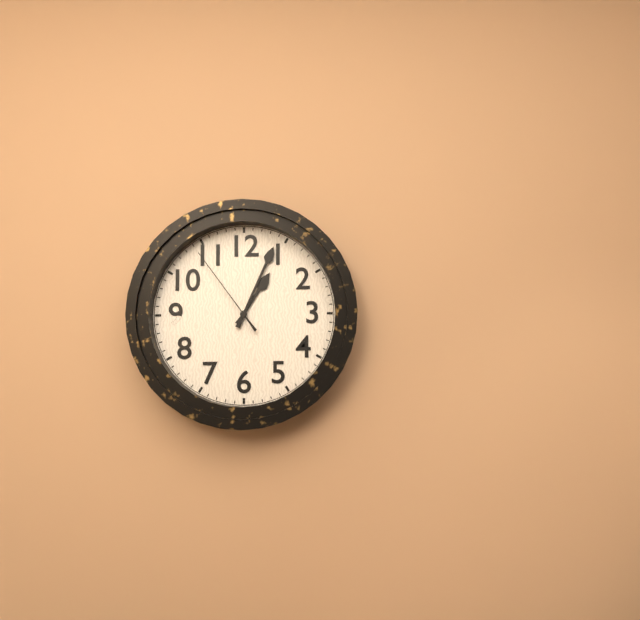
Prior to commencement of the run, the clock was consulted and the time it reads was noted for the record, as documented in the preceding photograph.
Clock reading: 1:04:54
